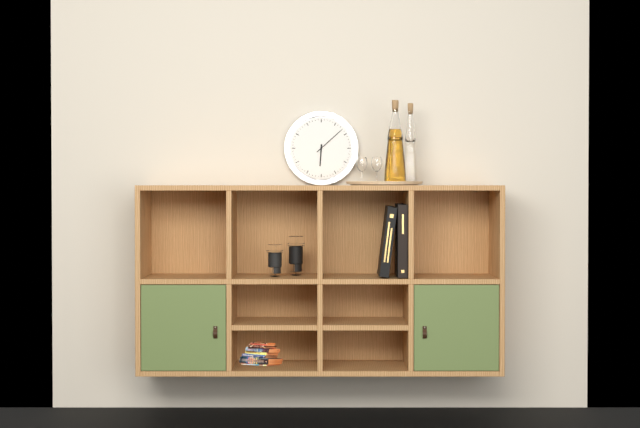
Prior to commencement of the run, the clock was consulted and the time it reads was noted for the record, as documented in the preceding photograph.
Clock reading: 6:08
